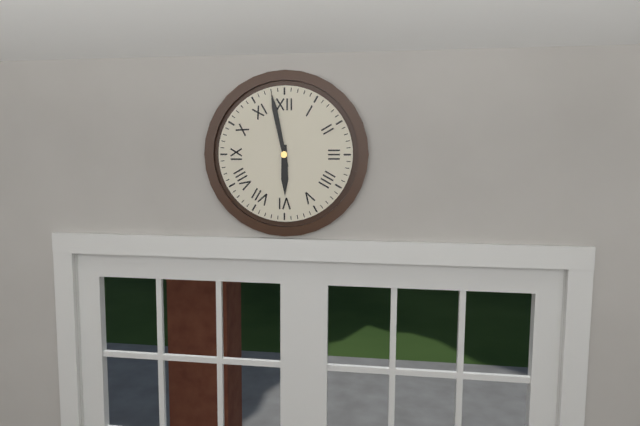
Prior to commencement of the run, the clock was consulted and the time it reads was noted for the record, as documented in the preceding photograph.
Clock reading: 5:58
